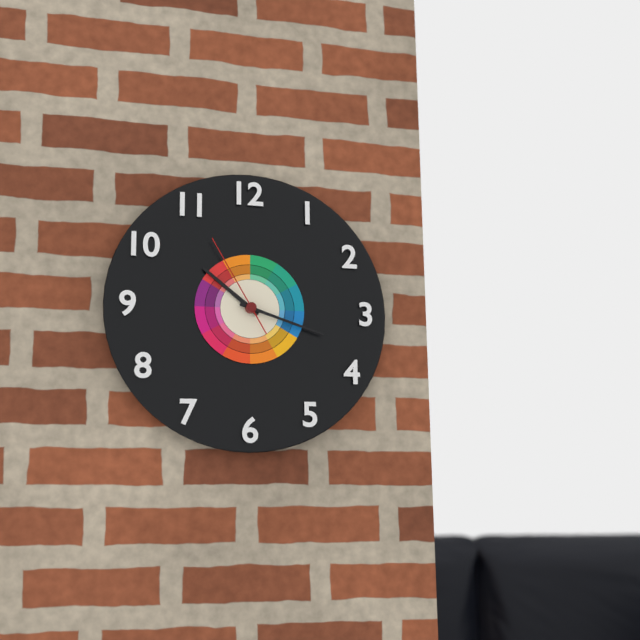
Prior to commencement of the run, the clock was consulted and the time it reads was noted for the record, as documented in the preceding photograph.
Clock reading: 10:18:55
